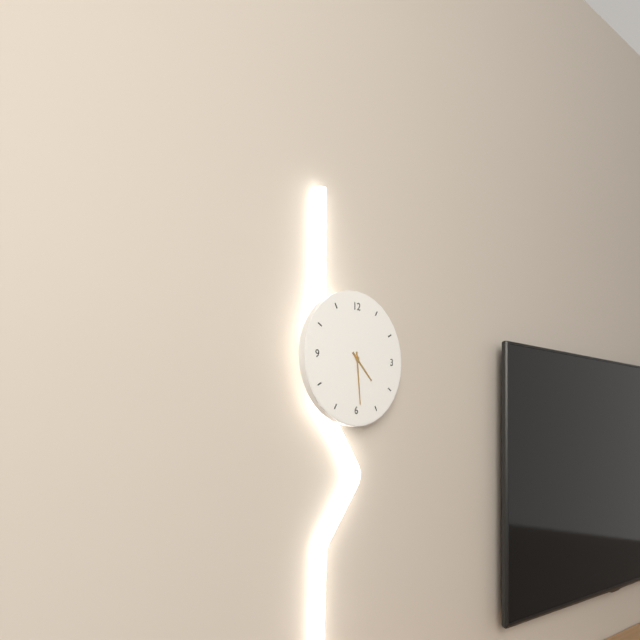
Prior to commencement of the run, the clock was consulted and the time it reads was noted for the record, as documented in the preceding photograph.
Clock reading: 4:29
